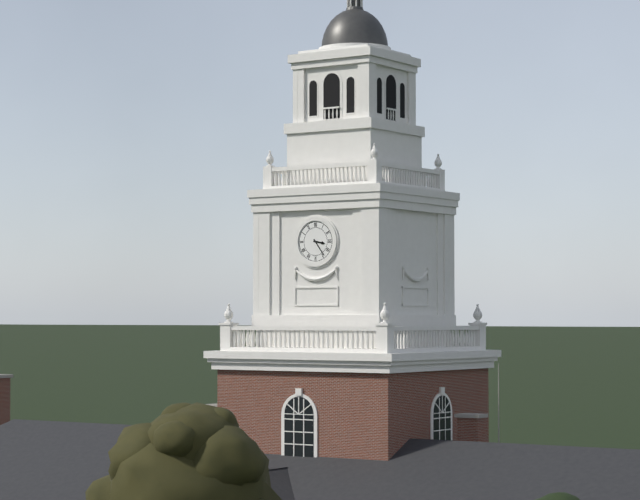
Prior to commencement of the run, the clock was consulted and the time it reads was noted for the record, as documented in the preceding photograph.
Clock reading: 3:24
